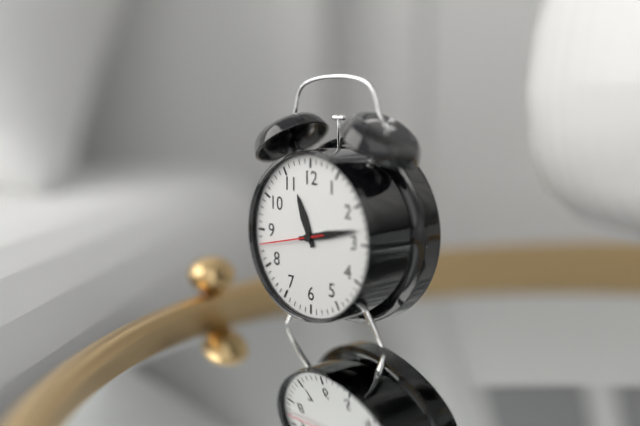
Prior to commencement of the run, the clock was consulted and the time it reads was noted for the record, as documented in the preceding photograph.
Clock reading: 11:13:43
